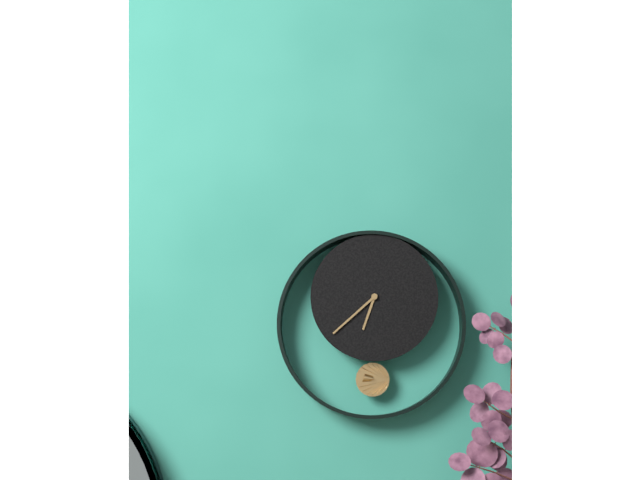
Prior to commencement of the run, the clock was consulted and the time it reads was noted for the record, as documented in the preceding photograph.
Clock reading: 6:38
